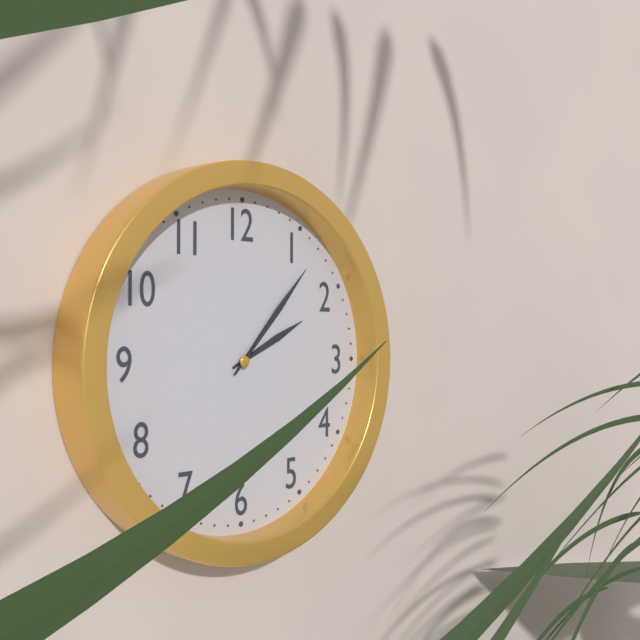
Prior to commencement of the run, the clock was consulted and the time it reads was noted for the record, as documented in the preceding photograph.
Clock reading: 2:07
